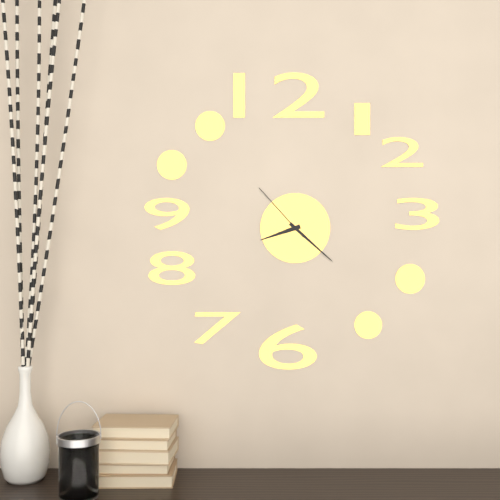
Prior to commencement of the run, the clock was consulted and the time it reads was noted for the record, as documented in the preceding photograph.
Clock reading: 8:22:53
